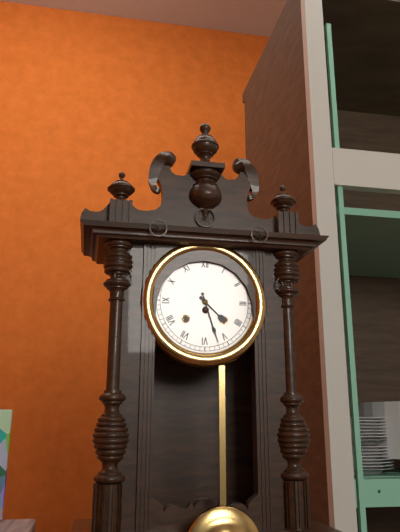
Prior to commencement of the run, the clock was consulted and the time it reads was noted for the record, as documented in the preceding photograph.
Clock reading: 4:27
